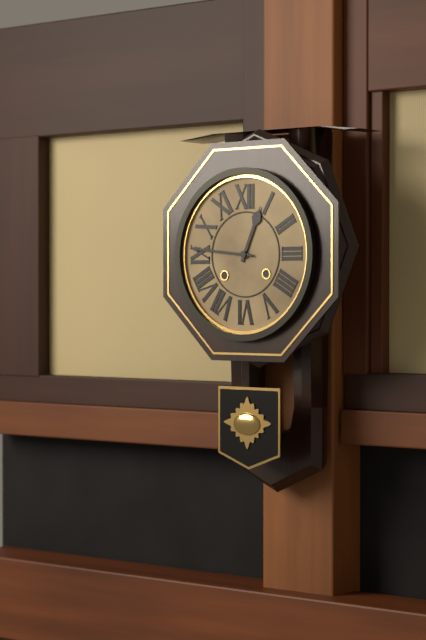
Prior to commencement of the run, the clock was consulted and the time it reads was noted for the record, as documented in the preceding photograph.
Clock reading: 12:46
